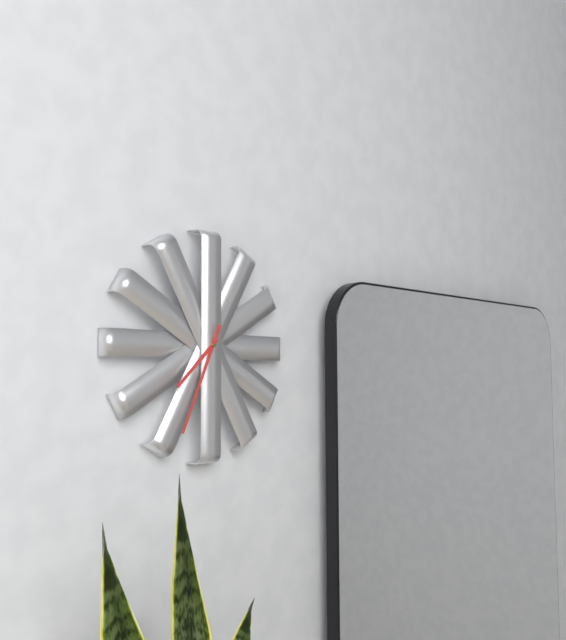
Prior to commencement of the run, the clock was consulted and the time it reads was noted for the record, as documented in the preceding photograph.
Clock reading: 7:34
